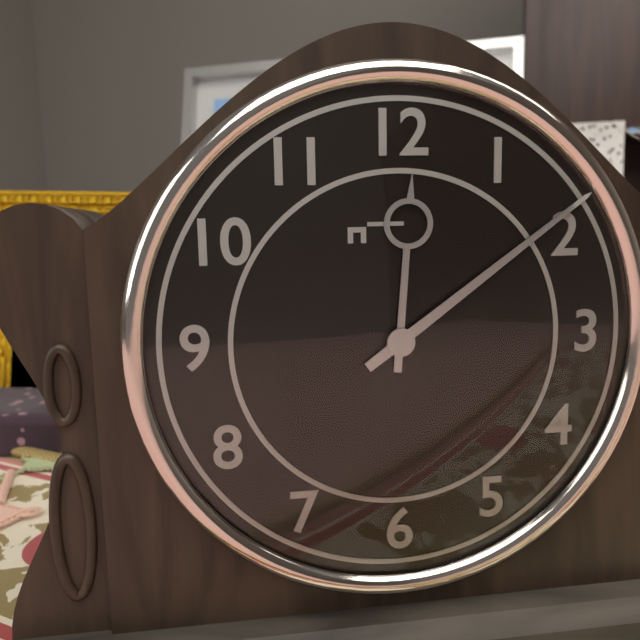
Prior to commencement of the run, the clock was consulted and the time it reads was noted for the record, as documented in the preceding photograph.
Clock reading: 12:09
